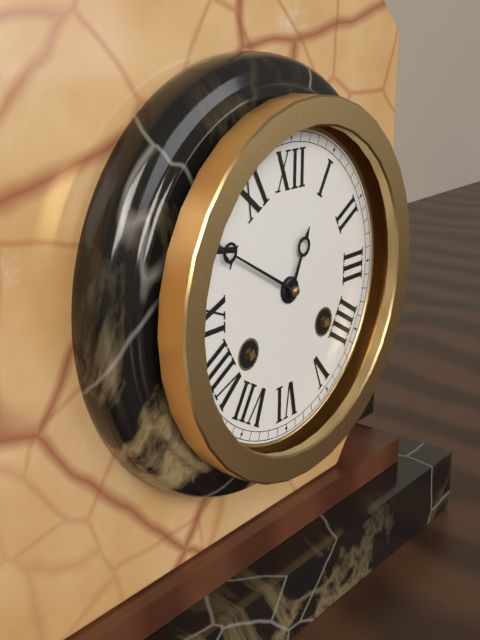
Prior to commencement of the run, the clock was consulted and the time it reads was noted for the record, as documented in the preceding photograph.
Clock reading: 12:50
